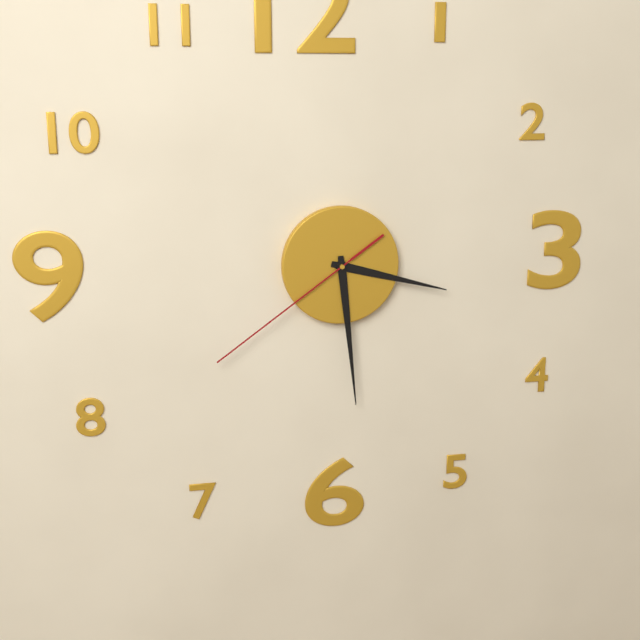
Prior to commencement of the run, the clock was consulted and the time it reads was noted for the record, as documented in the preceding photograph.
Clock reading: 3:29:39
